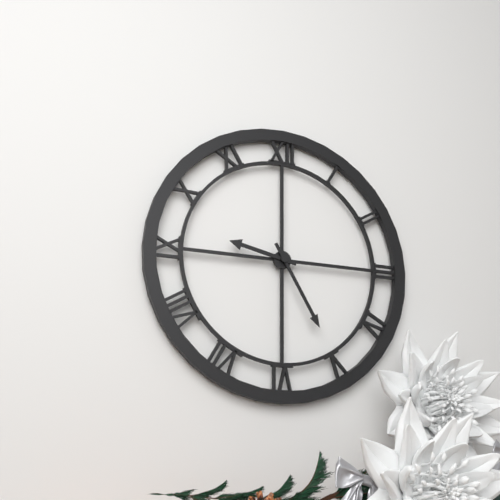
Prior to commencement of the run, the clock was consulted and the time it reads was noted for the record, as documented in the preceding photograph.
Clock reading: 9:25
